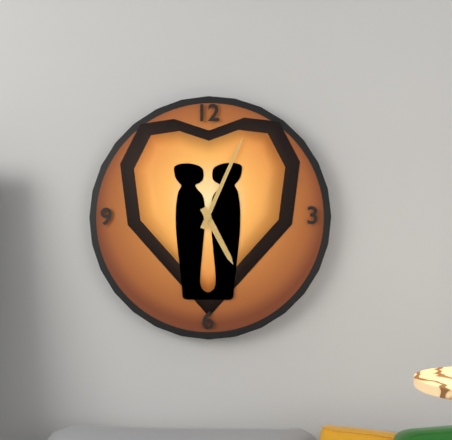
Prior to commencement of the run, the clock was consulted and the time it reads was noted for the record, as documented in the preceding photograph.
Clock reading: 5:04
